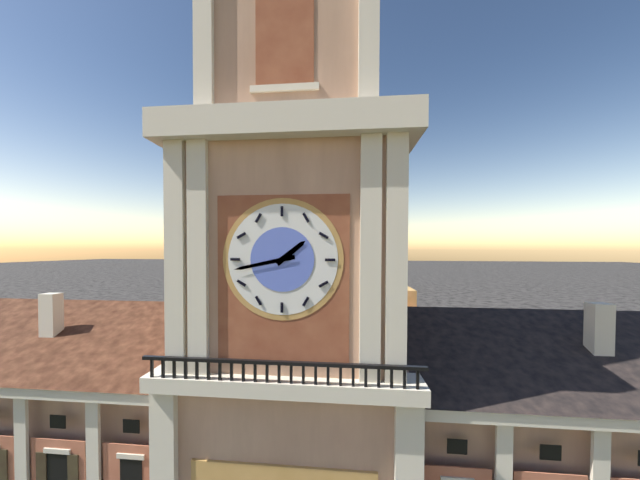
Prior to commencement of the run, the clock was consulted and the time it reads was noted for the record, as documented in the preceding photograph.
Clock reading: 1:43
